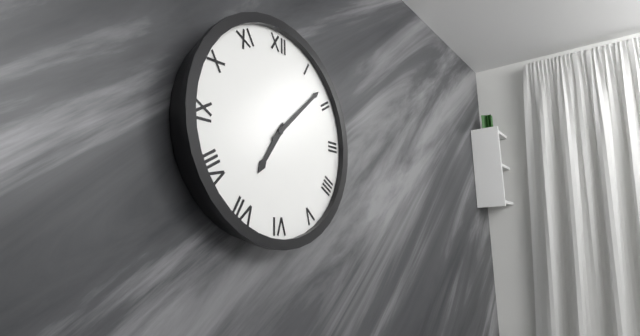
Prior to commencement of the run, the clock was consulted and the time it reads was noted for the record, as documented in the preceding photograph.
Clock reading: 7:08
